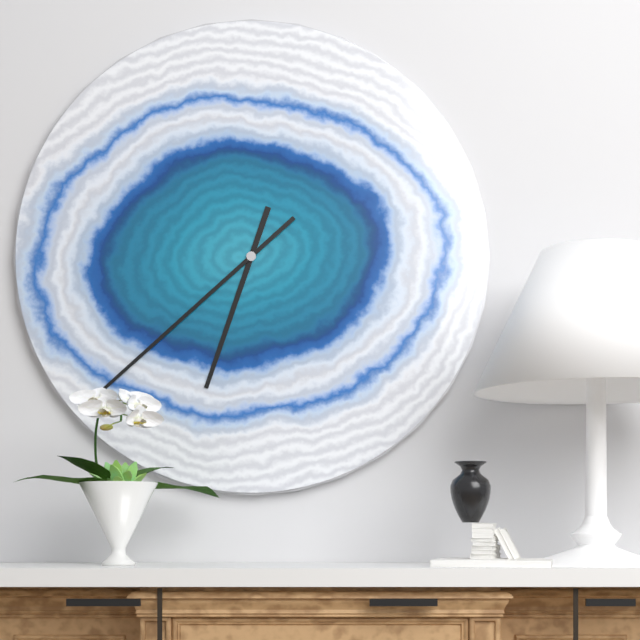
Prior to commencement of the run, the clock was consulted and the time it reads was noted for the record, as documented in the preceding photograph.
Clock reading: 6:38
